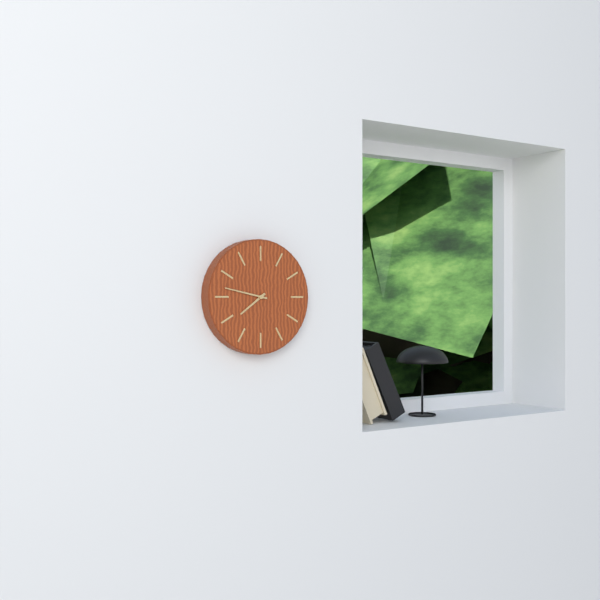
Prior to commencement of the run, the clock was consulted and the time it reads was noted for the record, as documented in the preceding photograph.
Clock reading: 7:47
